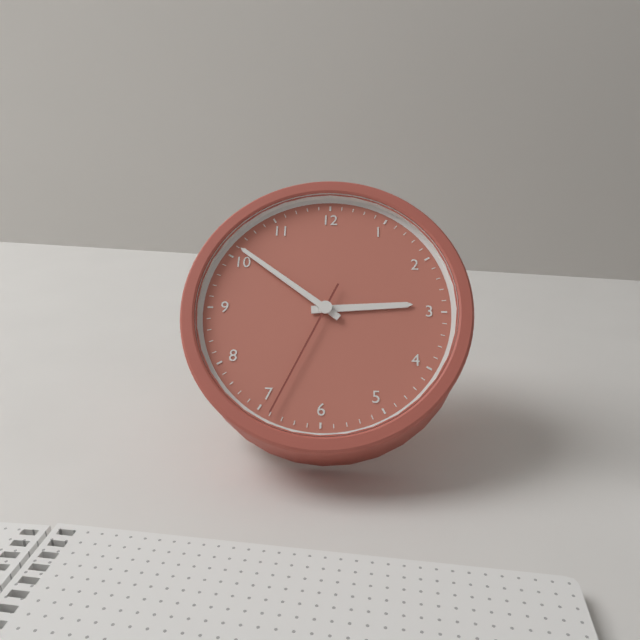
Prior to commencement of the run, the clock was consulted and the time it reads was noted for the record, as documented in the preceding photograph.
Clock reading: 2:51:34
